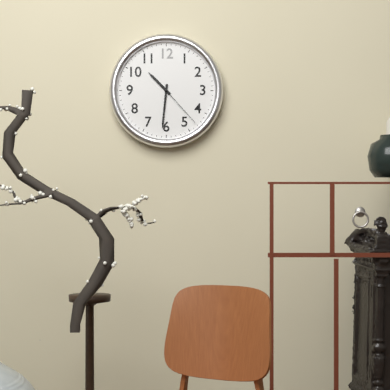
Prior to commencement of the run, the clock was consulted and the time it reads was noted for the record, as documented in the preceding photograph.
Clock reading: 10:31:23
